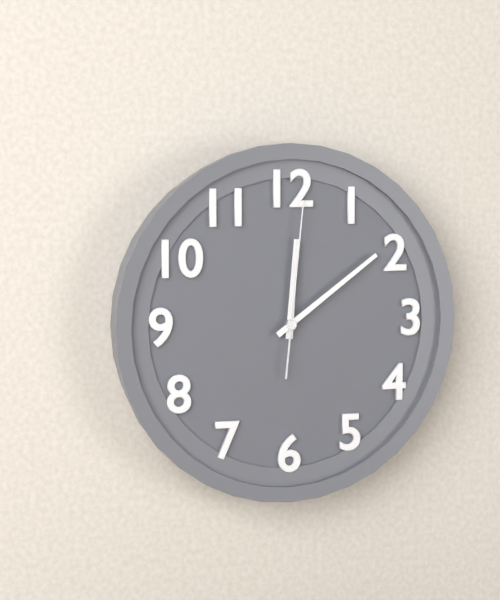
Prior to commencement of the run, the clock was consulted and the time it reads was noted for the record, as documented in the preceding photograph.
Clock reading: 12:09:01
